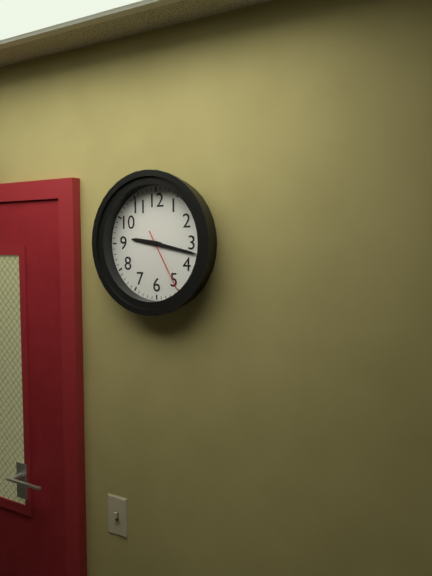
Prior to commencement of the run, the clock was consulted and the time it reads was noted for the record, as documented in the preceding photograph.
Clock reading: 9:17:25
